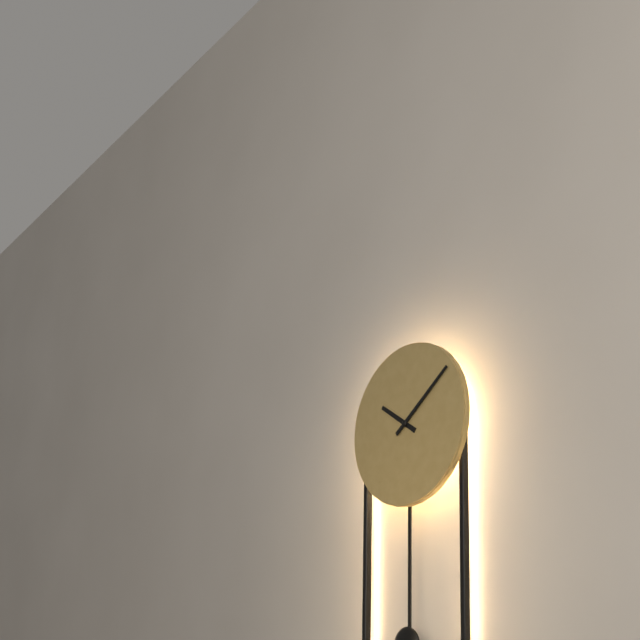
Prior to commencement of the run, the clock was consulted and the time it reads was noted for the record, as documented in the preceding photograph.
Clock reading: 10:09
